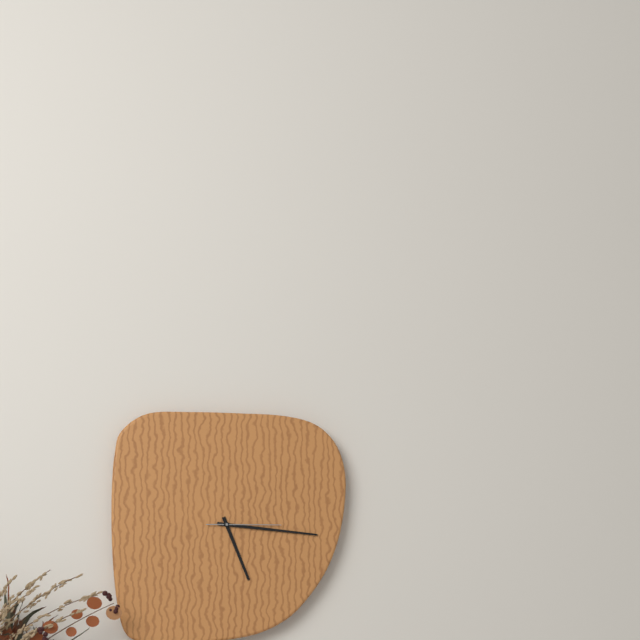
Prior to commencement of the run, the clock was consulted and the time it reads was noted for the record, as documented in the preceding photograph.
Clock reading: 5:16:15
